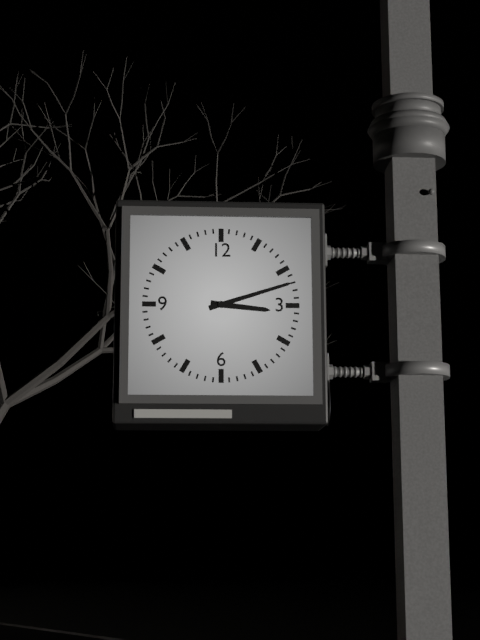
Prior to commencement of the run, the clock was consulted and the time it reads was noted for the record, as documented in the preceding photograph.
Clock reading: 3:12
